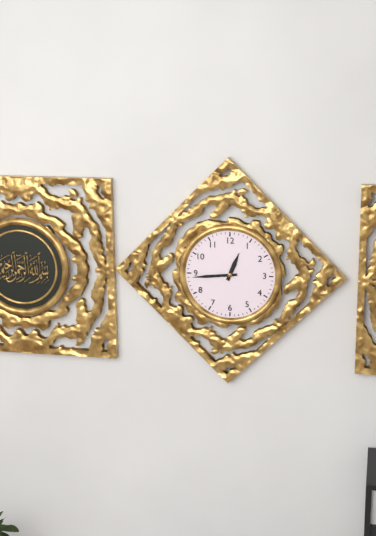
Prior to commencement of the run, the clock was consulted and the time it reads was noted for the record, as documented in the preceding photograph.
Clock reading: 12:44
